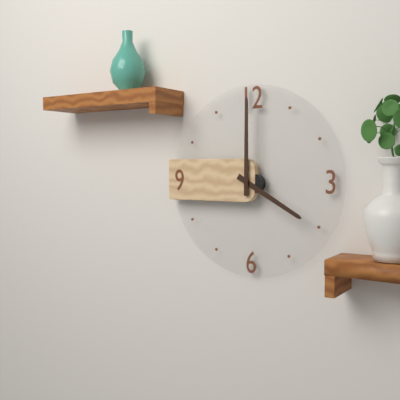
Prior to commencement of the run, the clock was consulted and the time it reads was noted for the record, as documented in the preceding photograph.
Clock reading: 4:00
